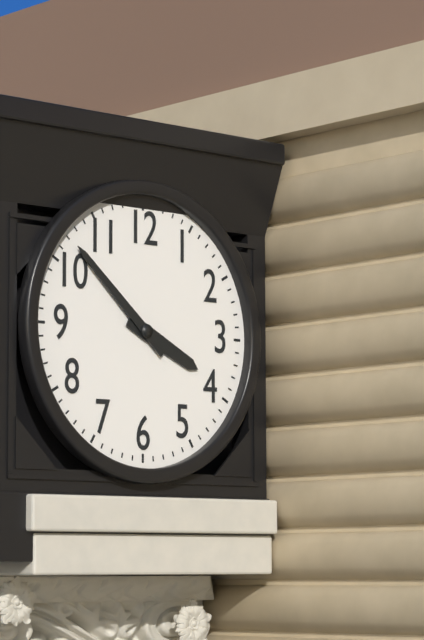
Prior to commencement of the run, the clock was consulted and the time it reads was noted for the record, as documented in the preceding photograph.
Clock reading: 3:52
